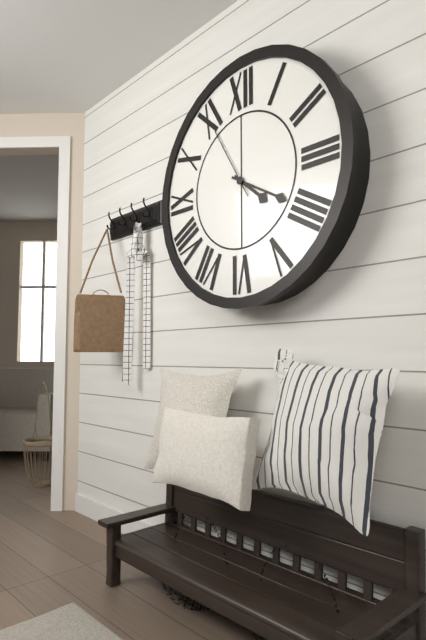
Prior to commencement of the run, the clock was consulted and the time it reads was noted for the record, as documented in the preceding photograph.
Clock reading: 4:20:55
